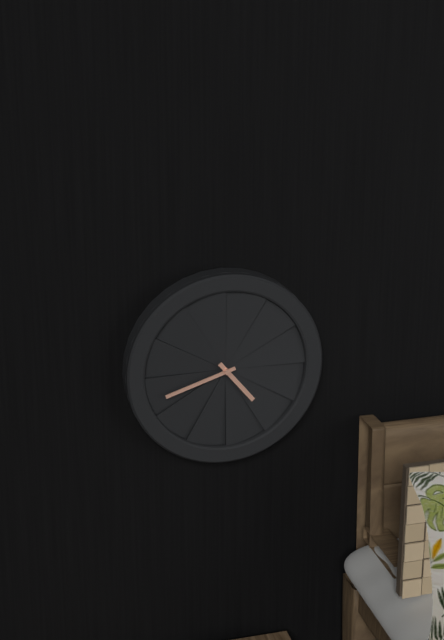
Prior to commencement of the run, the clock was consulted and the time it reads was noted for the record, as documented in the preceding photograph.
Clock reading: 4:42
